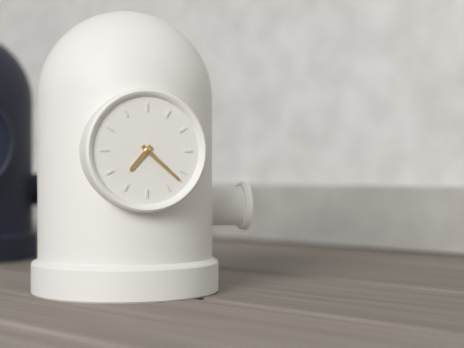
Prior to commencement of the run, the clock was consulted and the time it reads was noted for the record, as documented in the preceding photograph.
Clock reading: 7:22
